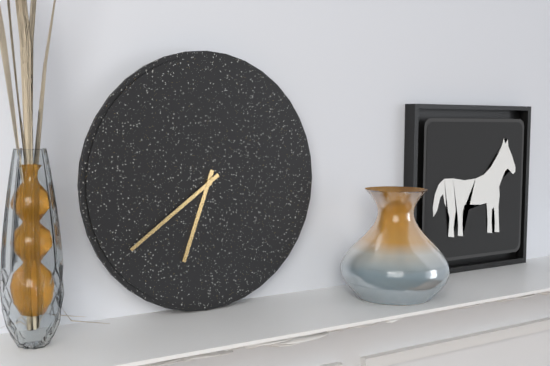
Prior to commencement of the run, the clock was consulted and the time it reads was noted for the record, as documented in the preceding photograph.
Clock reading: 6:39
